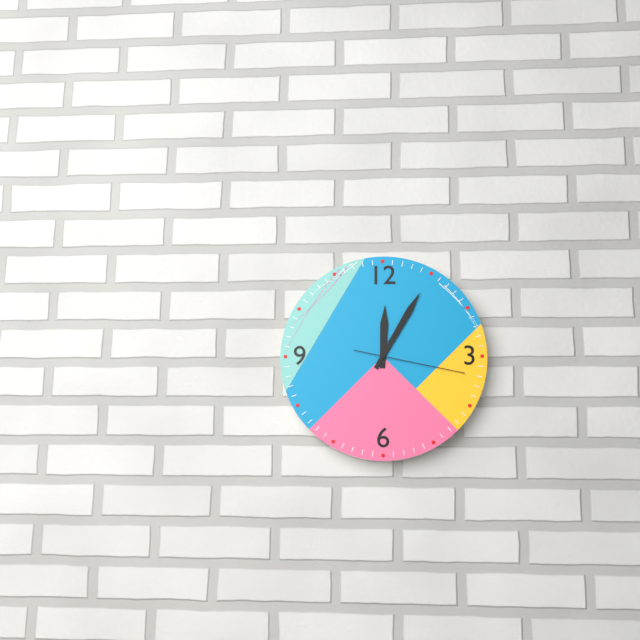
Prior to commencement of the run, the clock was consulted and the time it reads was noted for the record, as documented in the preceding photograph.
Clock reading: 12:05:17
